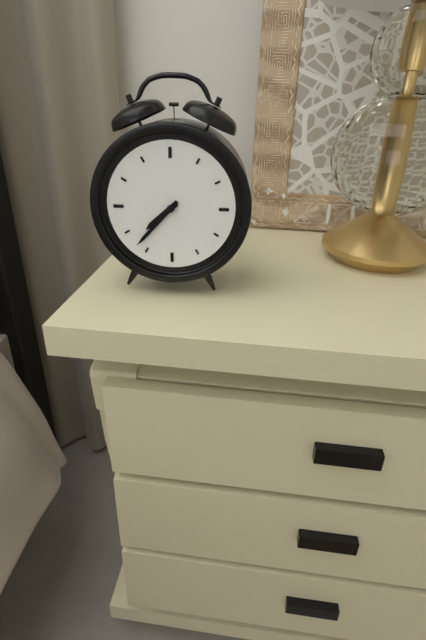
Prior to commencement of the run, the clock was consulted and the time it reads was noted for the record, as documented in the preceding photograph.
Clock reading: 7:37
